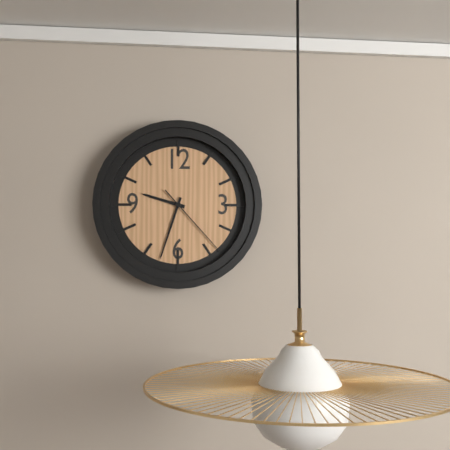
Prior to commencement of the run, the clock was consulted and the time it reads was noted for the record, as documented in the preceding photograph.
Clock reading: 9:33:23
